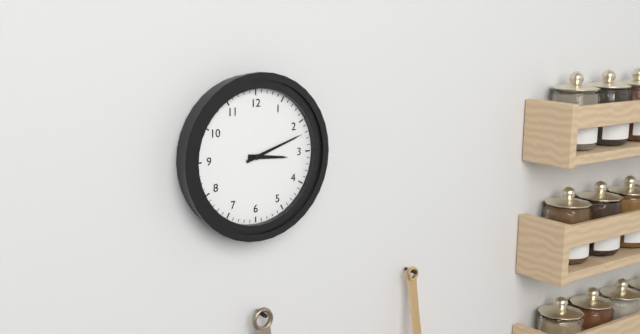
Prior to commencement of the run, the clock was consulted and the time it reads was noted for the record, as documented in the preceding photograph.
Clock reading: 3:12
